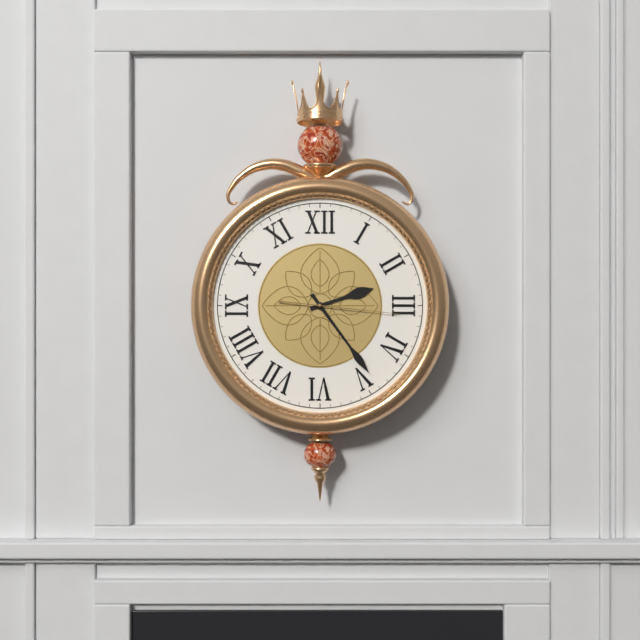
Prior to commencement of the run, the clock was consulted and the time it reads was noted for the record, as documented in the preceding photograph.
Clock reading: 2:24:16
